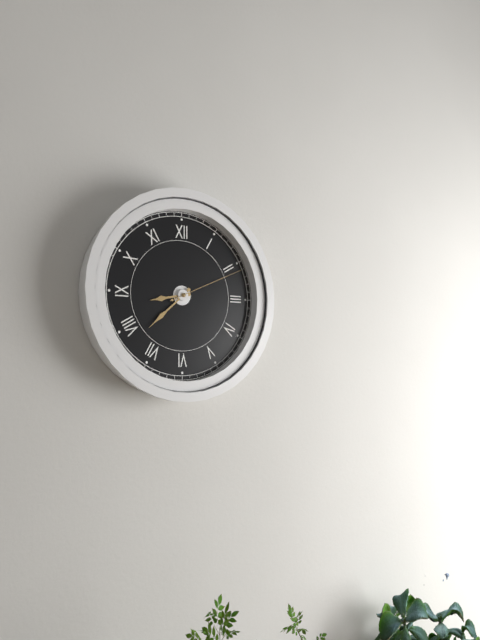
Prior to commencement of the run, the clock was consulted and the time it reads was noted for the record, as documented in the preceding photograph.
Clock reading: 8:38:11
